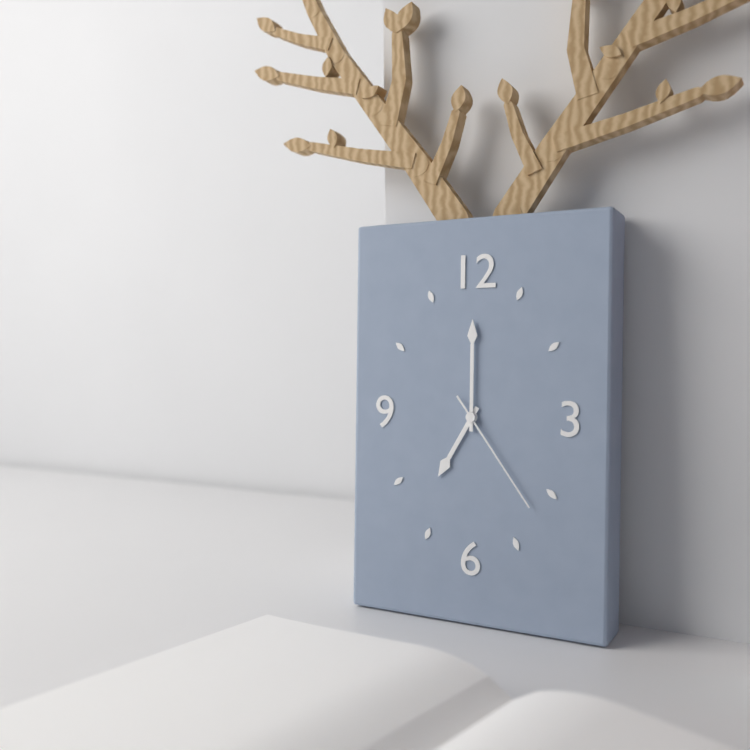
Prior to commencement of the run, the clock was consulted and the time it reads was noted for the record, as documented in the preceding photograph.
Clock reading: 7:00:24
